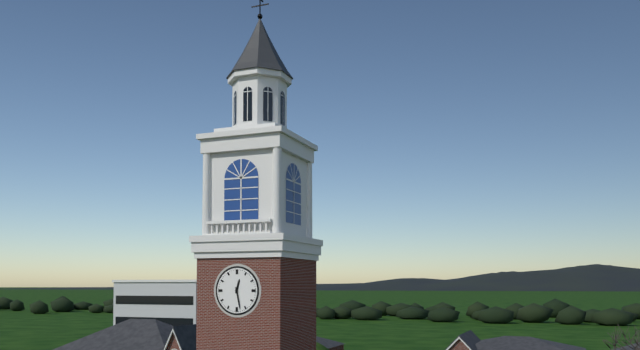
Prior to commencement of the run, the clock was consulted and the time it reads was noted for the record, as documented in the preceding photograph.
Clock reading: 12:28
